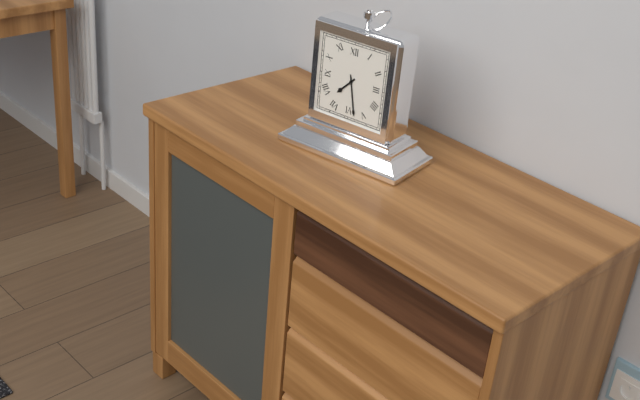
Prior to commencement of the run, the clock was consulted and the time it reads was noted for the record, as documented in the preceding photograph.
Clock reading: 7:28
